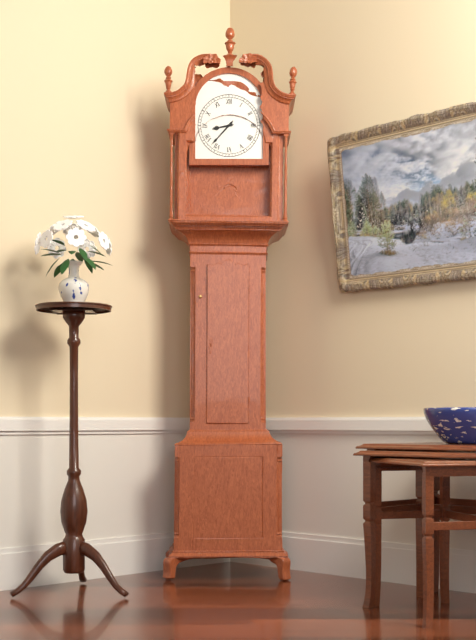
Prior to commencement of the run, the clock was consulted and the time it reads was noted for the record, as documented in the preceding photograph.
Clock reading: 8:37
